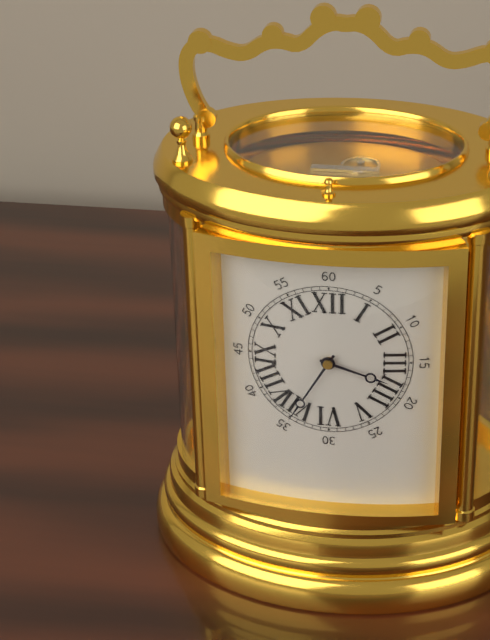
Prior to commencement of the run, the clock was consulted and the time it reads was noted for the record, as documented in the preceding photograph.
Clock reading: 3:35
